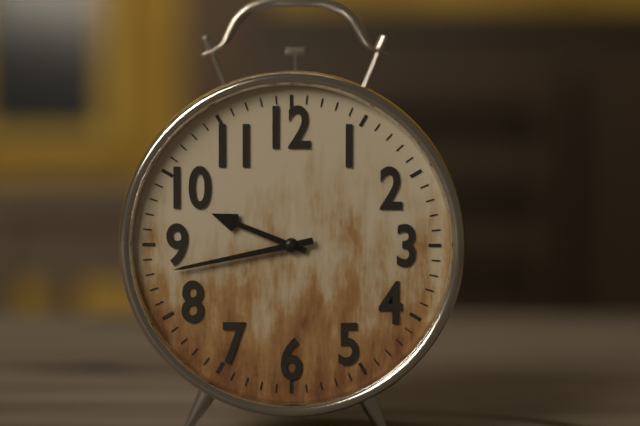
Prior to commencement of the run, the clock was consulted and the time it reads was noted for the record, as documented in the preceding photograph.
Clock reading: 9:43
